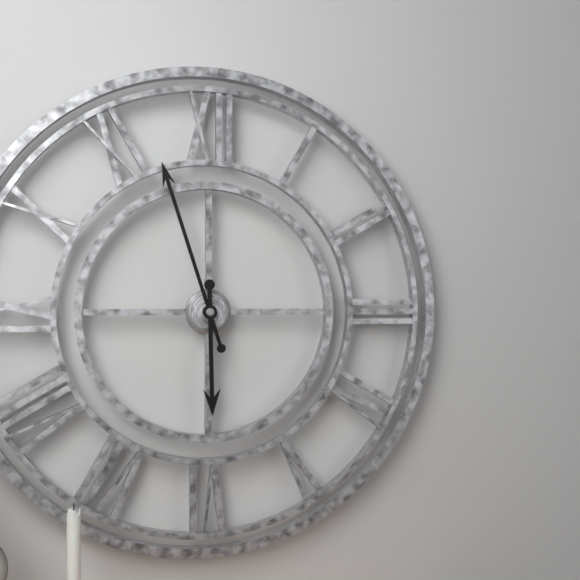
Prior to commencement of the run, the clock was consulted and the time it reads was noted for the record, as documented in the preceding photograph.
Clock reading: 5:57
